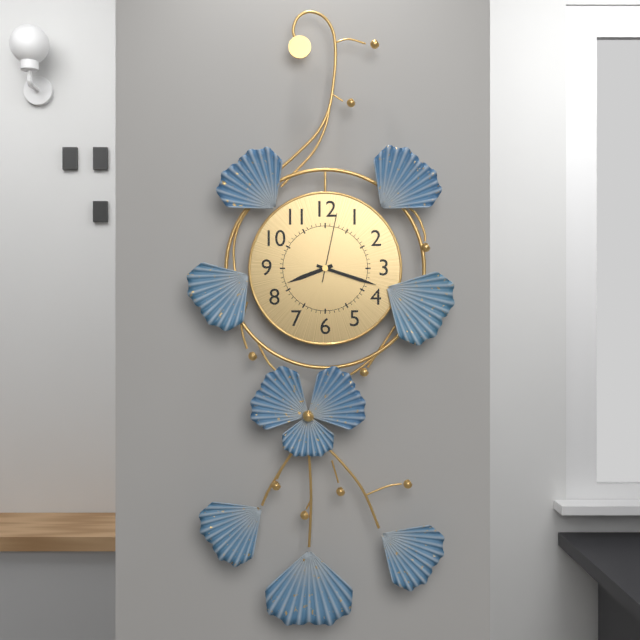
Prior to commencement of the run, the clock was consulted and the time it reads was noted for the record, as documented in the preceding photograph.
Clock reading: 8:18:02
